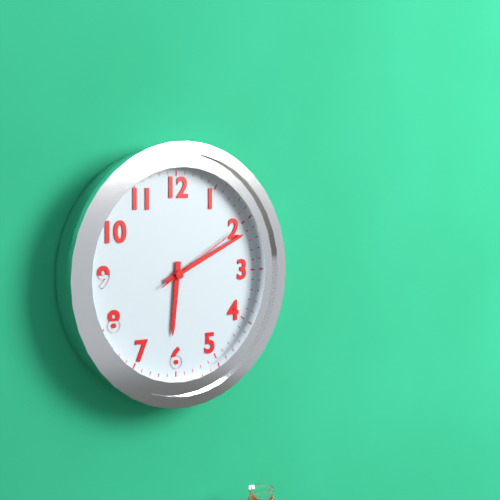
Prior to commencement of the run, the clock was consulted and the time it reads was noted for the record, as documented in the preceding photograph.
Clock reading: 6:11:10
